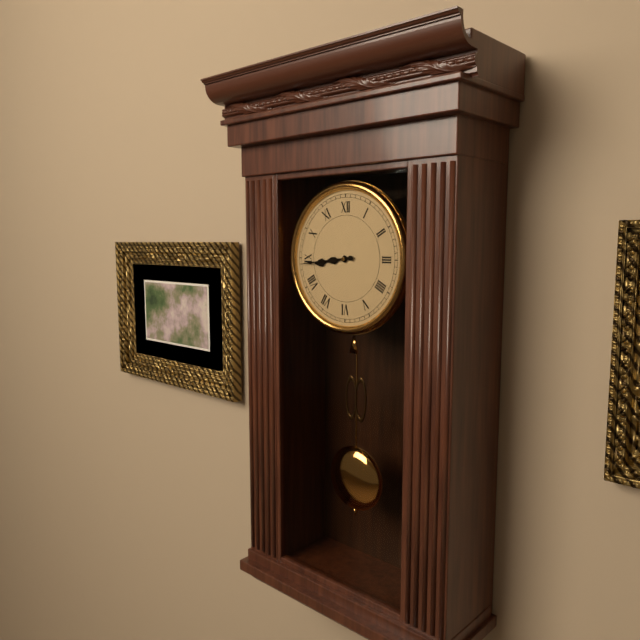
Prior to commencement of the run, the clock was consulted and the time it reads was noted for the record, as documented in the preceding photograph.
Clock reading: 8:44
